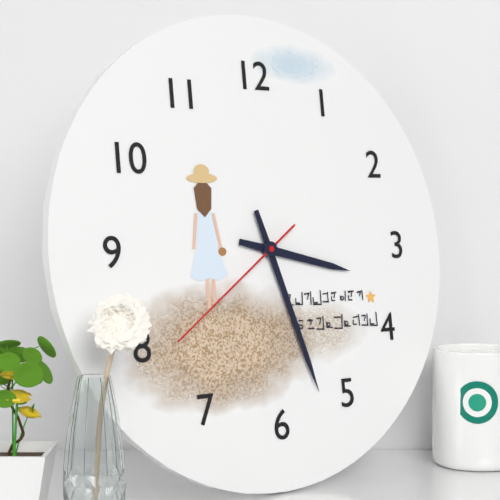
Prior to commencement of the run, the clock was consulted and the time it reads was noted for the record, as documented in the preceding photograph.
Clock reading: 3:27:39
